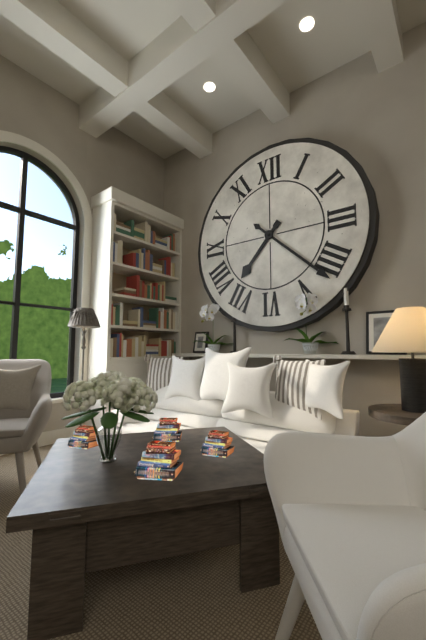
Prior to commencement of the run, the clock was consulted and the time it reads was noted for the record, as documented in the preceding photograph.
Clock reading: 7:22
